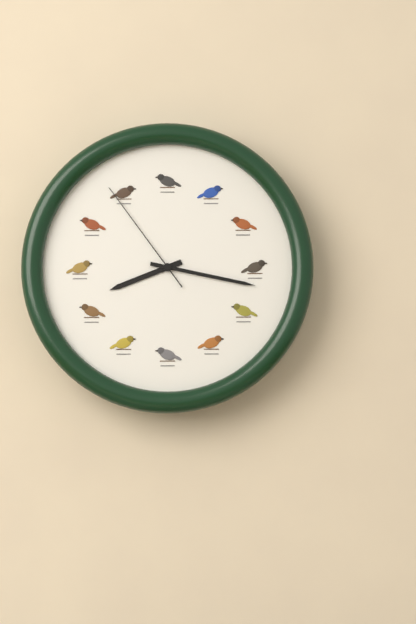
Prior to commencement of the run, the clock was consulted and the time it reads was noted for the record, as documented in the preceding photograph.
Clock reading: 8:17:54
